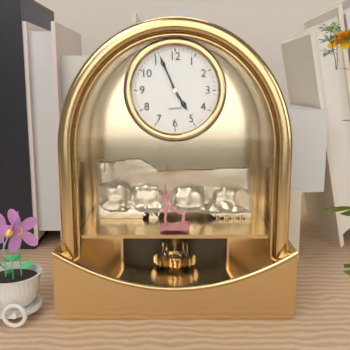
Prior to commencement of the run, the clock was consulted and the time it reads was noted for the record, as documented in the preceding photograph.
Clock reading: 4:56
